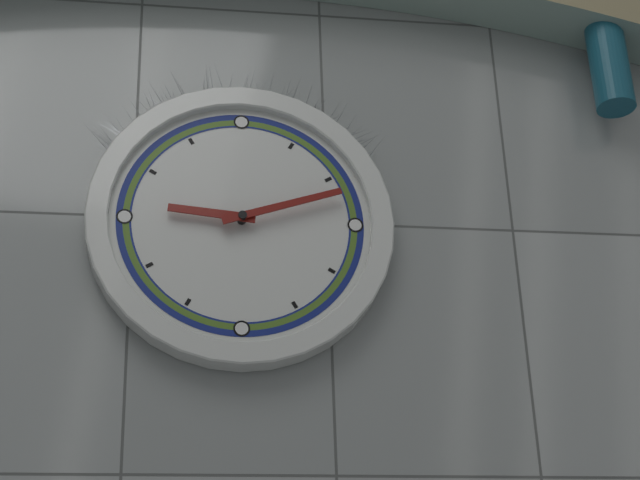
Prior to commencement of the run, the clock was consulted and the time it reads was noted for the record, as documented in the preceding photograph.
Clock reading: 9:12
